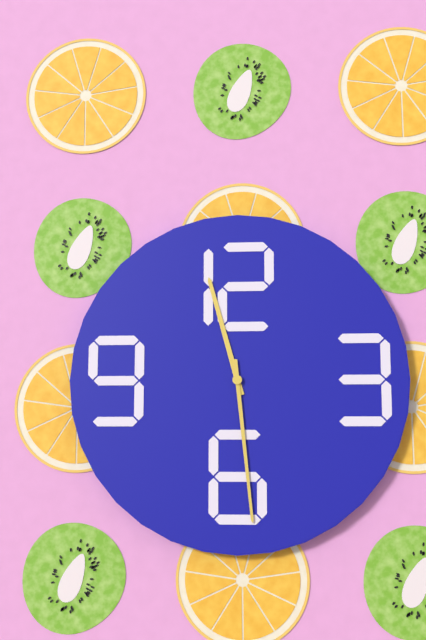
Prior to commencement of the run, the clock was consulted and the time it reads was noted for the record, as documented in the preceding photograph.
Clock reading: 11:29
